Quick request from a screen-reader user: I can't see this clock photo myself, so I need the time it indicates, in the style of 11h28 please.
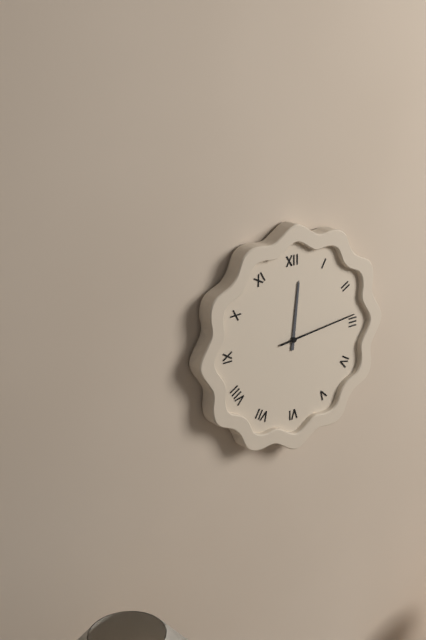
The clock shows 12h14
